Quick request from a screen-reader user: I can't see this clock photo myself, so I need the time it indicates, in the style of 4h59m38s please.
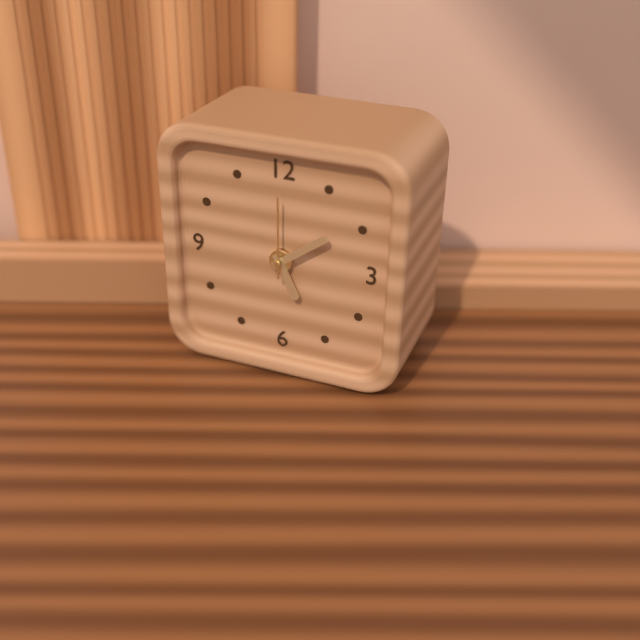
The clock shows 5h09m00s
